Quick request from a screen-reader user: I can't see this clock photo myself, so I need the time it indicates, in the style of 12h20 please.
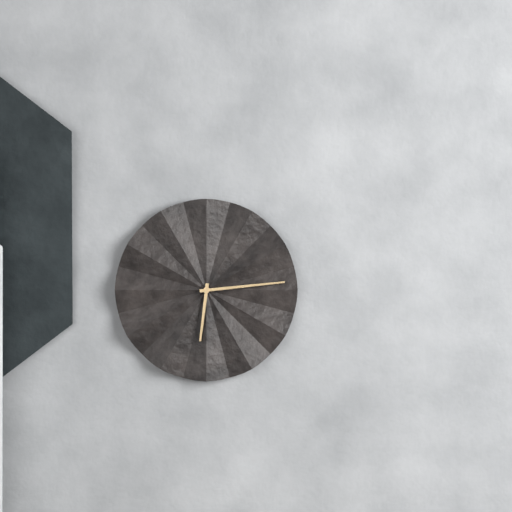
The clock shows 6h14
